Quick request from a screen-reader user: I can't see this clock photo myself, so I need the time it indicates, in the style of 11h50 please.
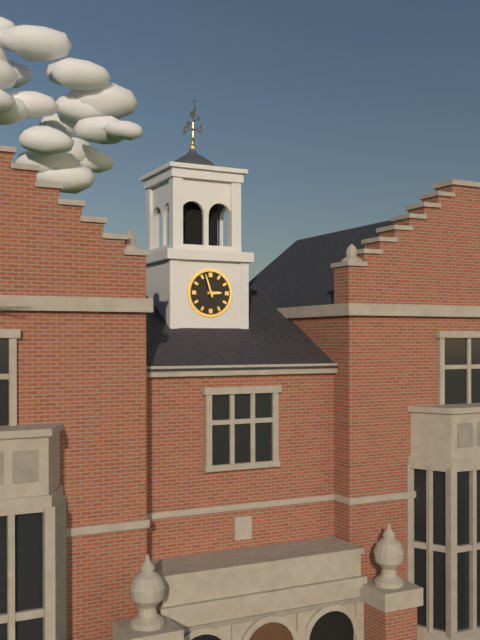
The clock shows 2h57
